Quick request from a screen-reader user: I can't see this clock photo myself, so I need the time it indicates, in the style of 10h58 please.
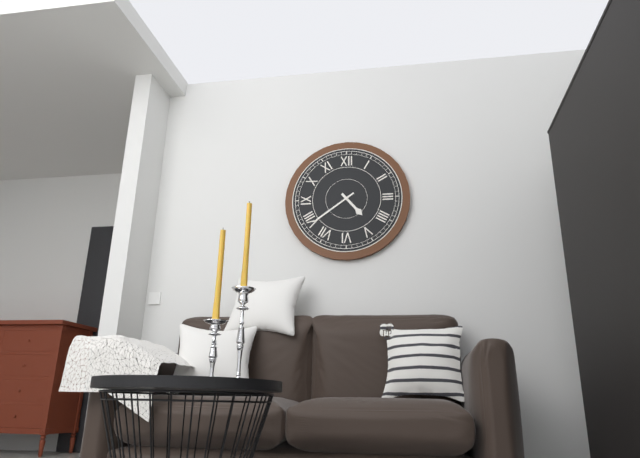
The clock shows 4h39
